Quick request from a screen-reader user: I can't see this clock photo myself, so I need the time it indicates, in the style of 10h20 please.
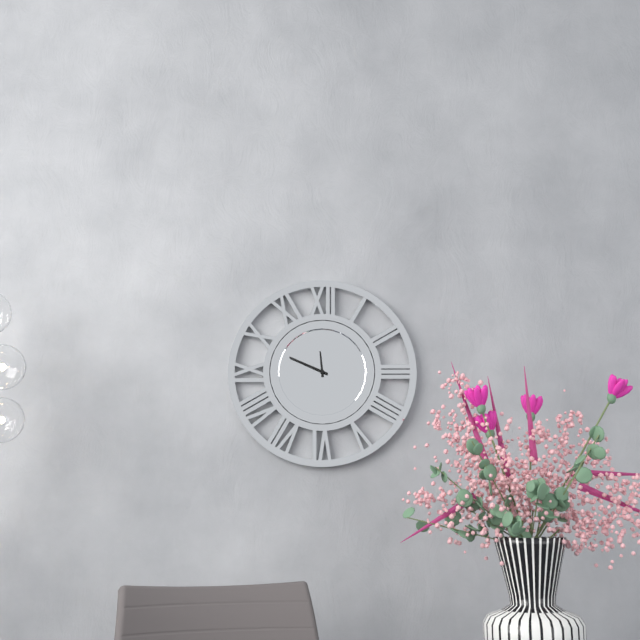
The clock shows 11h49
